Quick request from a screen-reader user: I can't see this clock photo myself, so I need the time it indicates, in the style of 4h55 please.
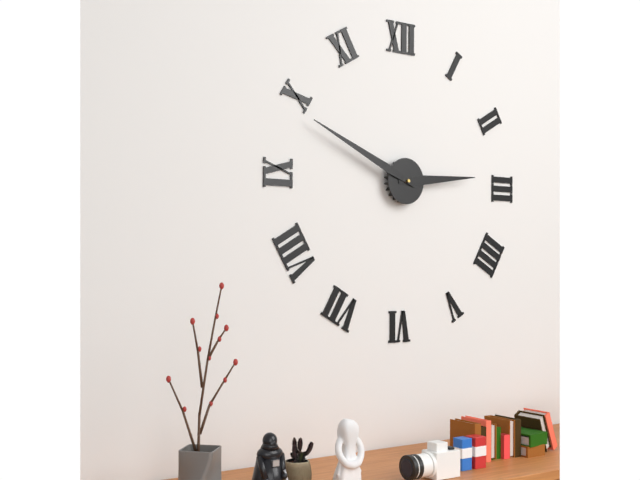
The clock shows 2h49
